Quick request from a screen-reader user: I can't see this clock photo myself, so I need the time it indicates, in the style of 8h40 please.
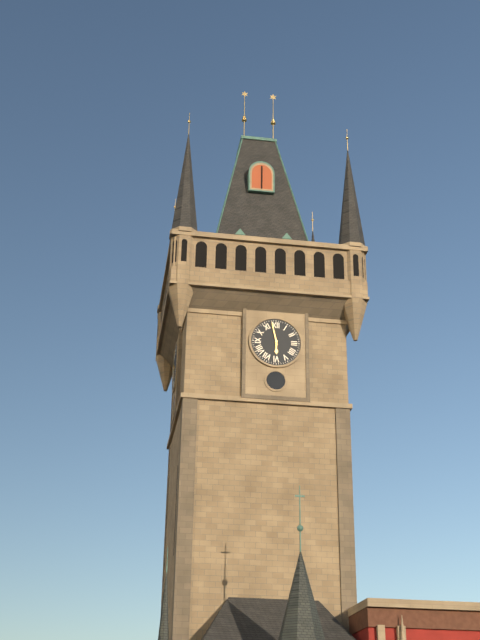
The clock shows 5h58
